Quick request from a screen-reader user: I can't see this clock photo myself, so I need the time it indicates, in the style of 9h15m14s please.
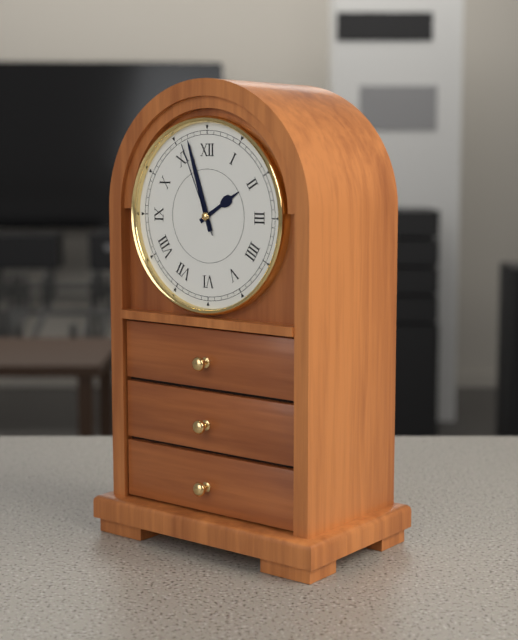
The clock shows 1h57m56s
